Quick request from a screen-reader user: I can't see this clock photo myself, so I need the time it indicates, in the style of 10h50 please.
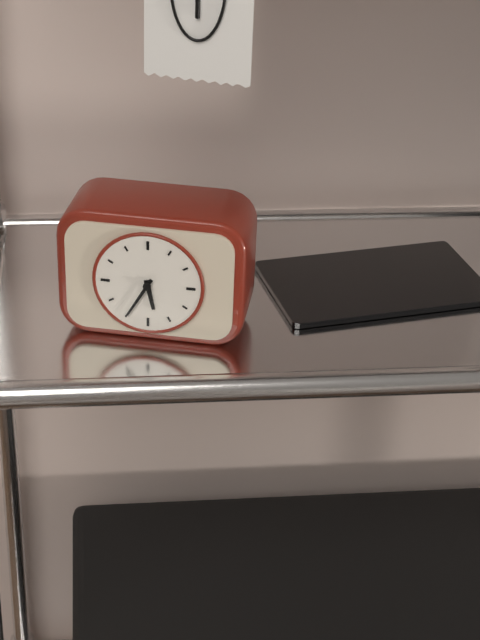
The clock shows 5h35
